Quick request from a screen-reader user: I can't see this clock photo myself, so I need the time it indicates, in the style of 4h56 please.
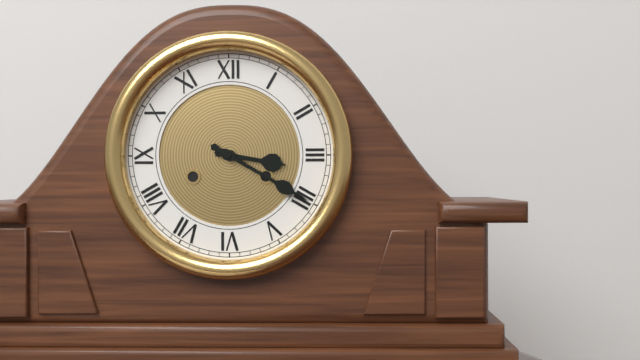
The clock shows 3h20
